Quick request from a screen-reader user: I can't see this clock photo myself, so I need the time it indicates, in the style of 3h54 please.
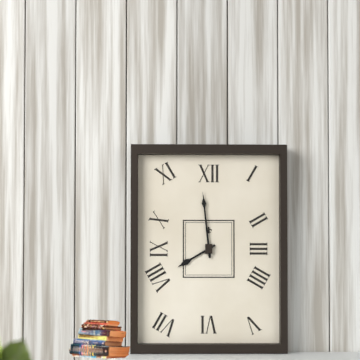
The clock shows 7h59
